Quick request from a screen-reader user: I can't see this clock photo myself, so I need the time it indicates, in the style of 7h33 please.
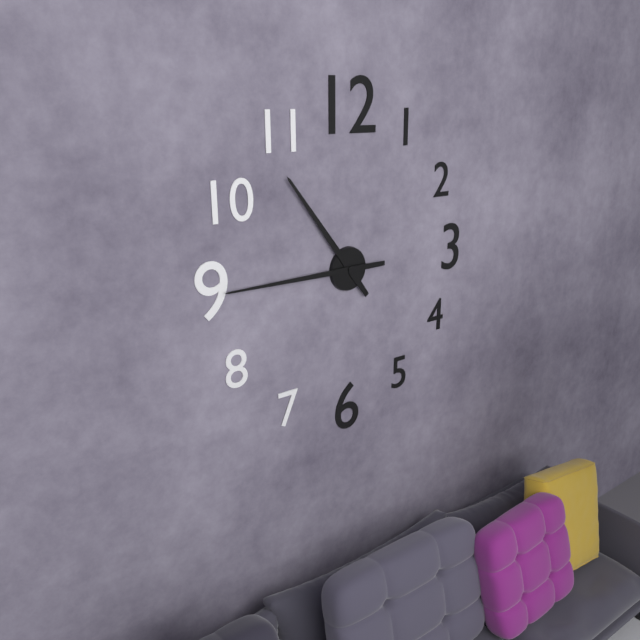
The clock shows 10h45
